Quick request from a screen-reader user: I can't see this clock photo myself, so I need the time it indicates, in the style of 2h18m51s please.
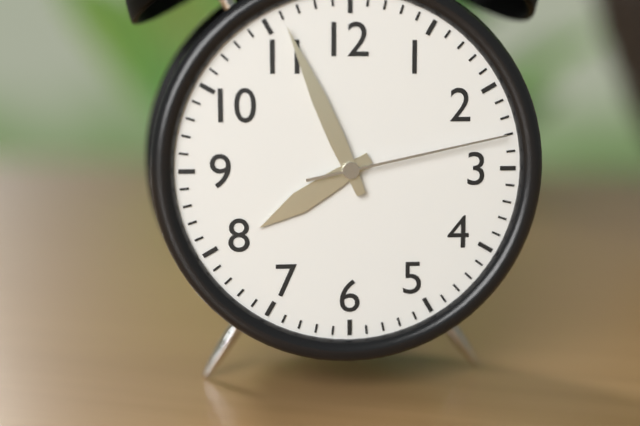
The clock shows 7h56m13s
